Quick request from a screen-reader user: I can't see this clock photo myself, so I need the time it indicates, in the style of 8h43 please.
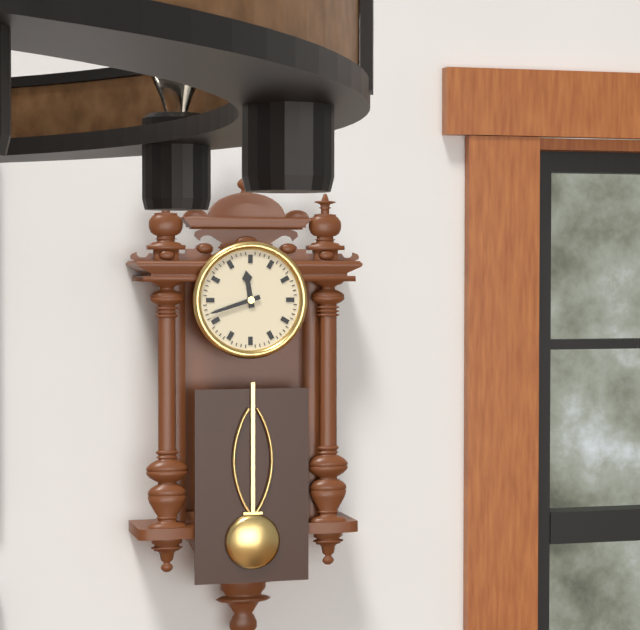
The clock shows 11h42
